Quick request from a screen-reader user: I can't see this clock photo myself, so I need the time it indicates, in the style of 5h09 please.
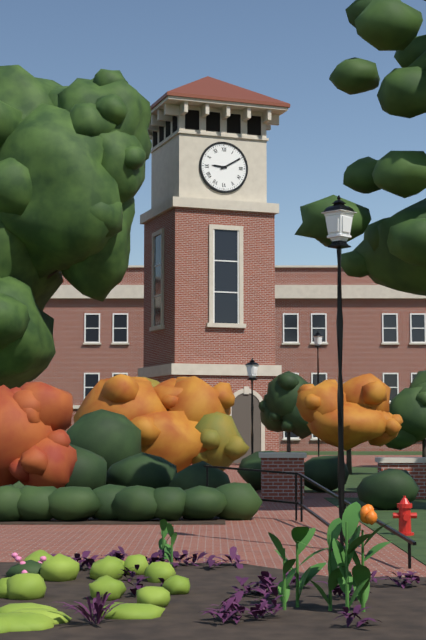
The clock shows 9h10
